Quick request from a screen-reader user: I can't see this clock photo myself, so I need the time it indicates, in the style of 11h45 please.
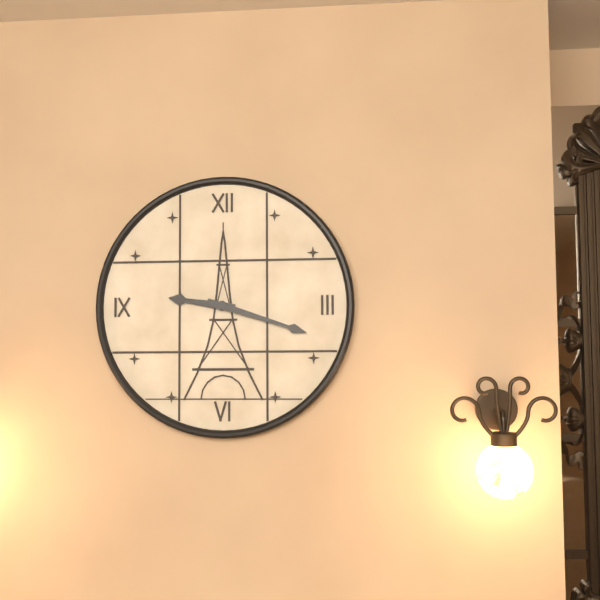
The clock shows 9h18
